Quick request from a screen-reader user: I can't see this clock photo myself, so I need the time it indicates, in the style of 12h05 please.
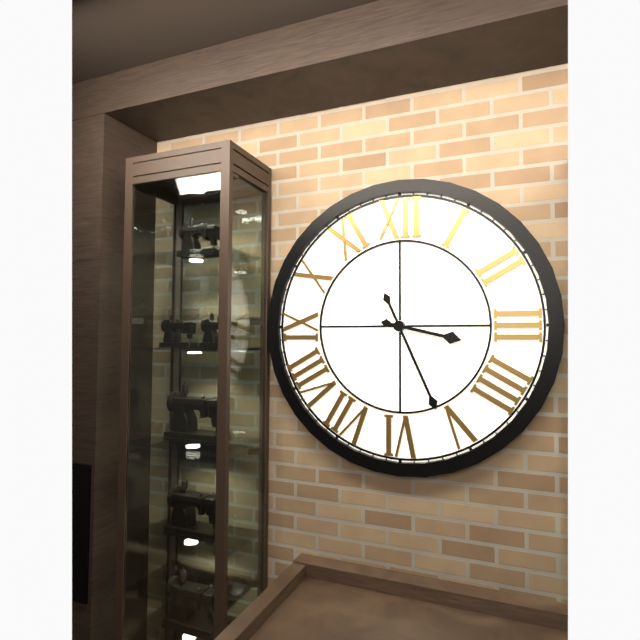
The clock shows 3h26
